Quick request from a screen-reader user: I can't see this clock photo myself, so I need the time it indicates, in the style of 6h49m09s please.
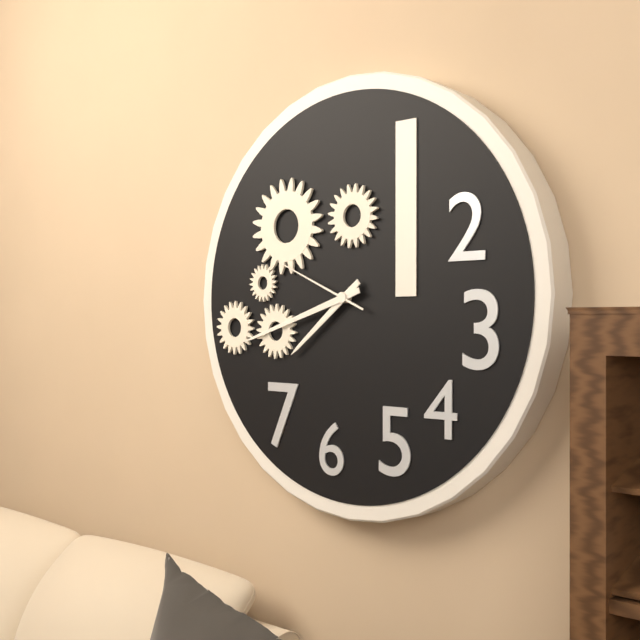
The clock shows 7h42m49s
